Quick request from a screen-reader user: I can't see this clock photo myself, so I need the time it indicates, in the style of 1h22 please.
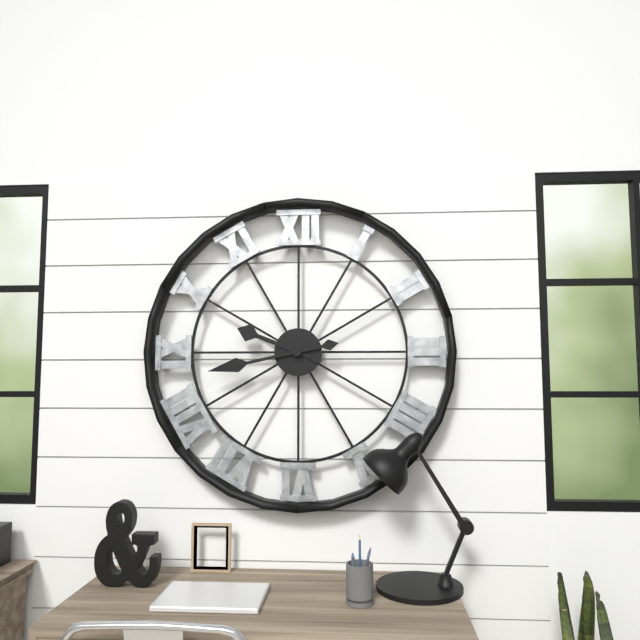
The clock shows 9h43
